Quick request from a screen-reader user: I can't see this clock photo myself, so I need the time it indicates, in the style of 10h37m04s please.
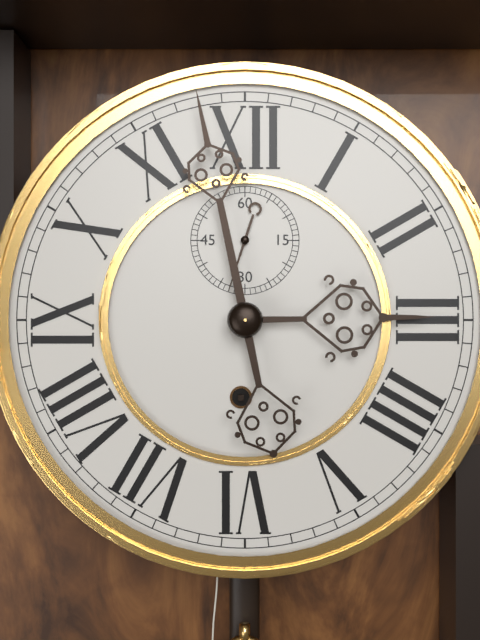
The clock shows 2h58m33s
